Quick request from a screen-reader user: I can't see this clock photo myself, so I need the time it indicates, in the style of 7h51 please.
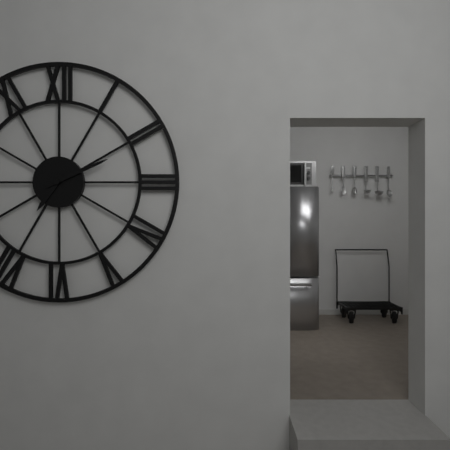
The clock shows 7h11
